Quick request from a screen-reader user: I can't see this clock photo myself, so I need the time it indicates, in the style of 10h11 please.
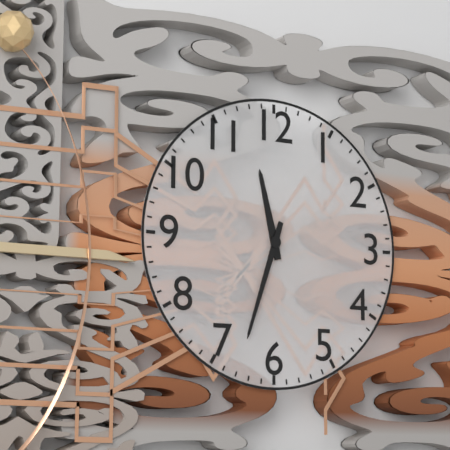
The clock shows 11h33
